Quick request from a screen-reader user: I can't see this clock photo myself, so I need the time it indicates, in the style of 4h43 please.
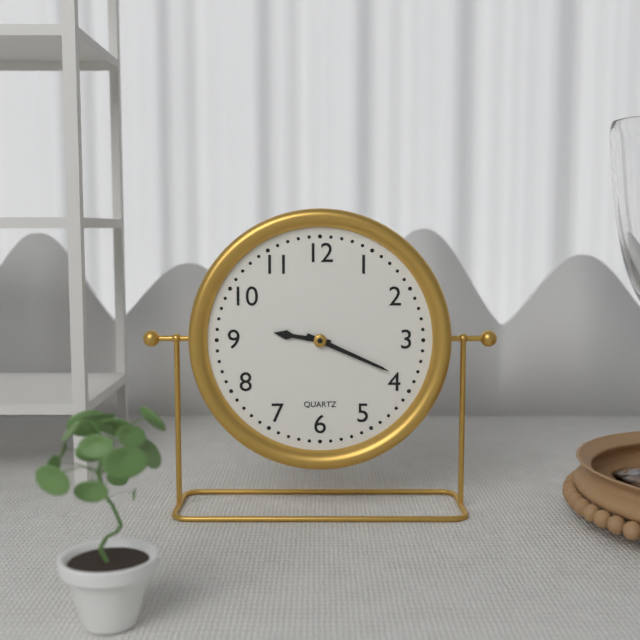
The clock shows 9h19
